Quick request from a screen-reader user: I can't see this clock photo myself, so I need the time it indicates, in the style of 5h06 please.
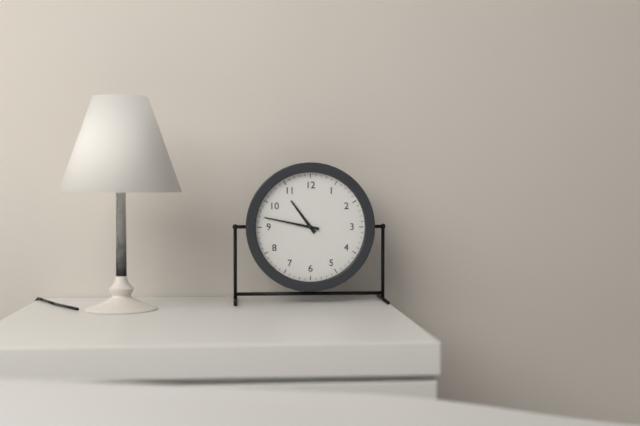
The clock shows 10h47
